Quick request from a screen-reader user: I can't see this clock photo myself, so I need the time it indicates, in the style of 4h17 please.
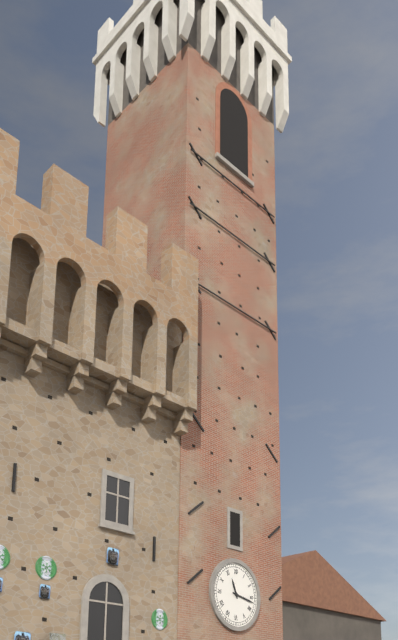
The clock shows 11h17
